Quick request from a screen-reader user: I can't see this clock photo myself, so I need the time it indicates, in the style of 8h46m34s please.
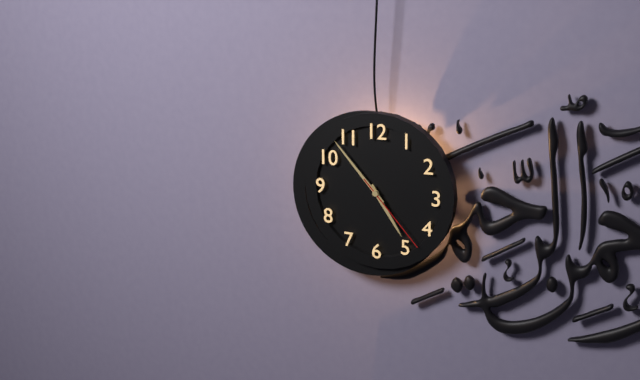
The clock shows 4h53m23s
